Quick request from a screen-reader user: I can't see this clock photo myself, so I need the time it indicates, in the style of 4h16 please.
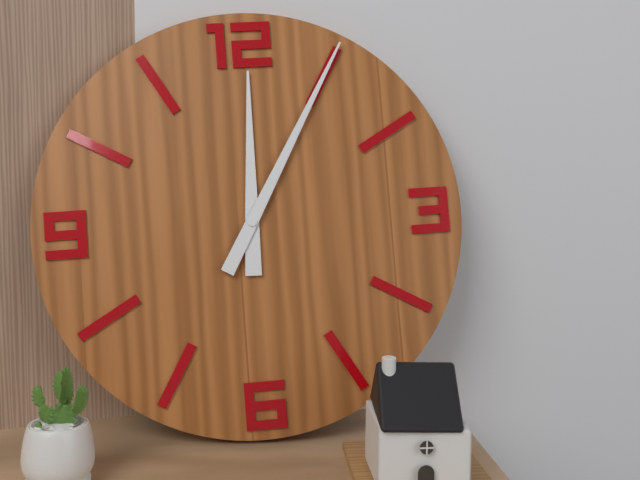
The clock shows 12h05
